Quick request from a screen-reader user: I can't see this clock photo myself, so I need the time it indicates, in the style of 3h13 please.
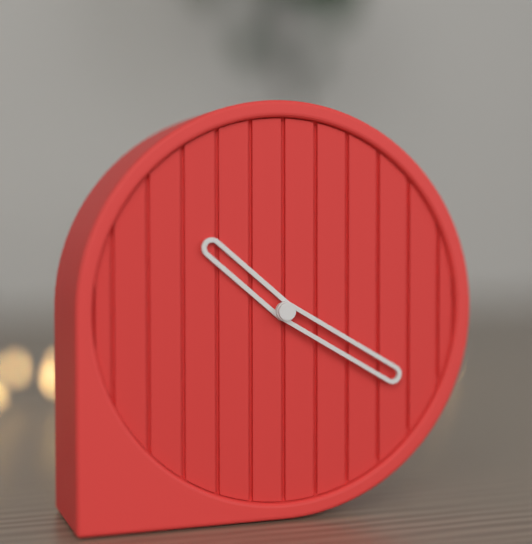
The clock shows 10h20
